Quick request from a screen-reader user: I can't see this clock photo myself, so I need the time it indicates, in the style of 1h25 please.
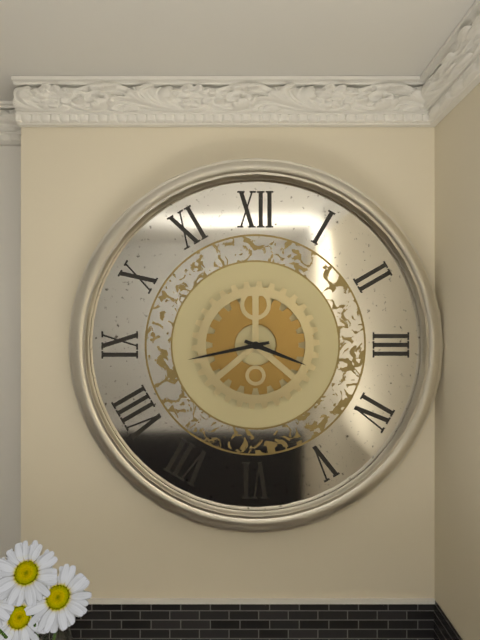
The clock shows 3h43
